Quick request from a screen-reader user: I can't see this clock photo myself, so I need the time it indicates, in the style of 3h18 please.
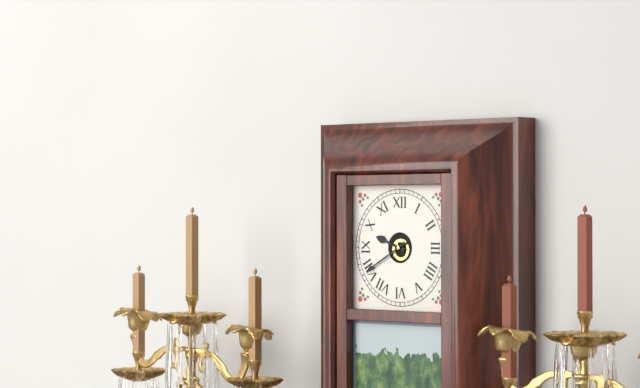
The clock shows 9h40
